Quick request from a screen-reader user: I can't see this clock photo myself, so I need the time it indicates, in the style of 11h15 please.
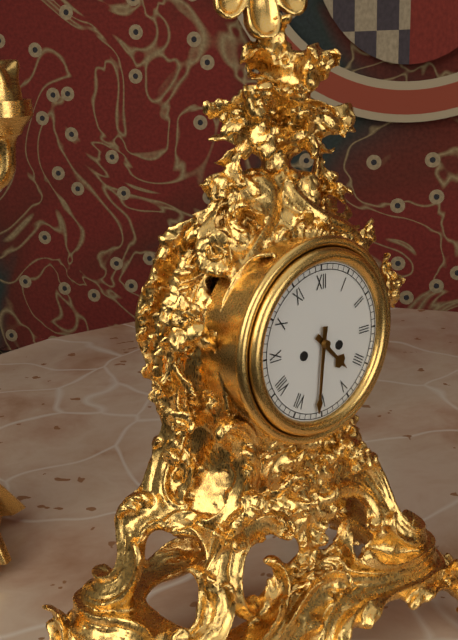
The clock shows 4h31
